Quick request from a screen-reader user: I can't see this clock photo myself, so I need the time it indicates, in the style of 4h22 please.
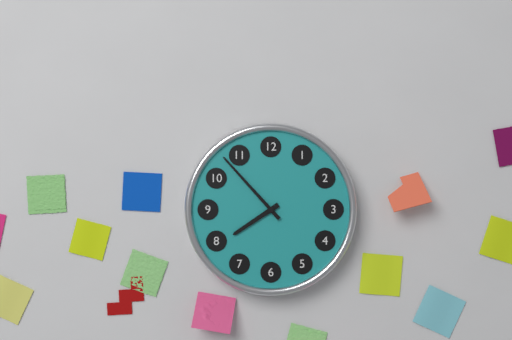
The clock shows 7h53
